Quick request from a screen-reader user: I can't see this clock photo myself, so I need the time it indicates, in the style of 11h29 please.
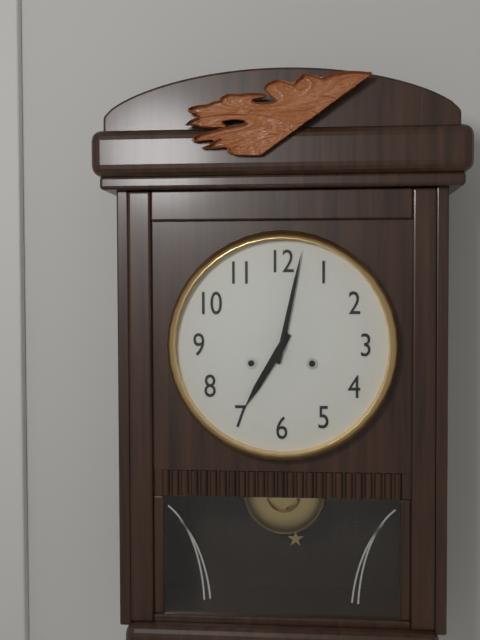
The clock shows 7h02
